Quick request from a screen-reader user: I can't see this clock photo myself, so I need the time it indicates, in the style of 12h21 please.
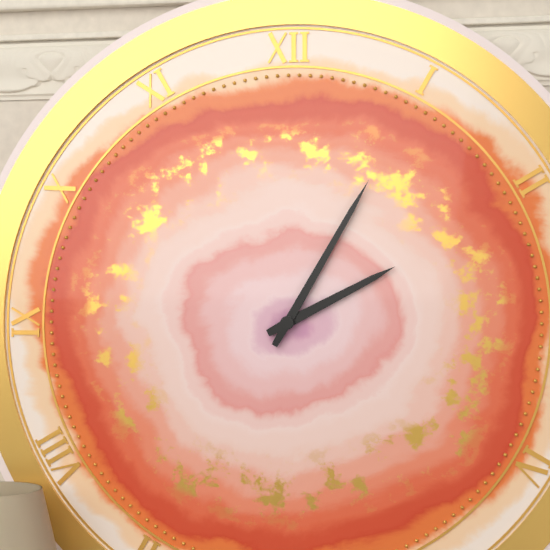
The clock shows 2h05
